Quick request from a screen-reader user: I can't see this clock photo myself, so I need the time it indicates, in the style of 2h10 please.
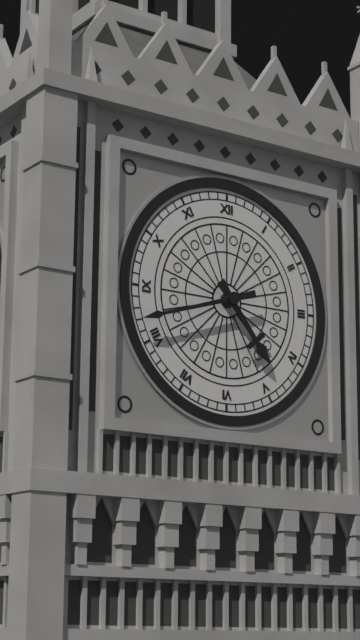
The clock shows 4h42
